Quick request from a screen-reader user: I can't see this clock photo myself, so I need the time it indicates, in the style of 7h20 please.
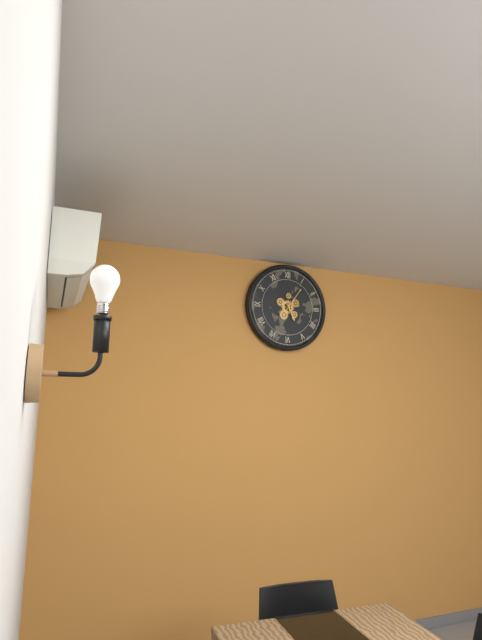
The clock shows 5h06
